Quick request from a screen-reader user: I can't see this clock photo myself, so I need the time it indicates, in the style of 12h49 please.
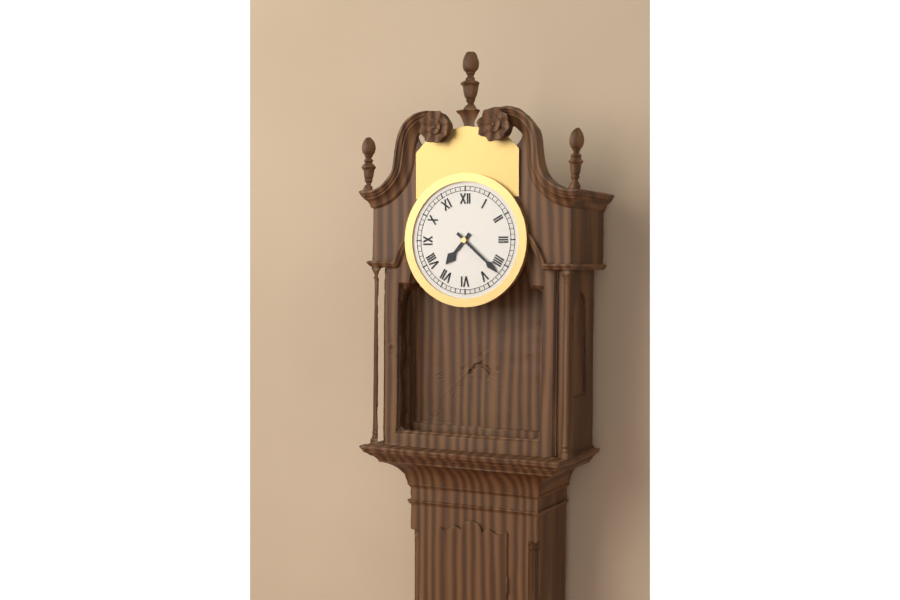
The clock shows 7h22
